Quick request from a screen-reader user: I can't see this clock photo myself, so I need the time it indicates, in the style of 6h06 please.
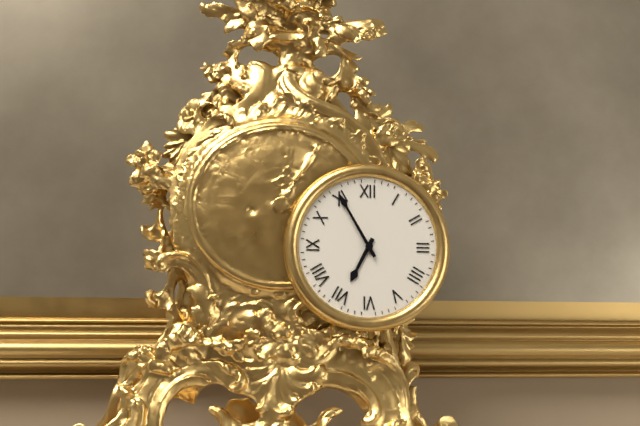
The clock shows 6h55
